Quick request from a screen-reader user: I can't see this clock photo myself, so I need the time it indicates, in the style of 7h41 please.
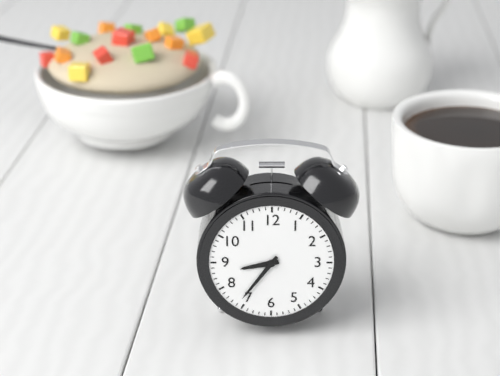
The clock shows 8h36
